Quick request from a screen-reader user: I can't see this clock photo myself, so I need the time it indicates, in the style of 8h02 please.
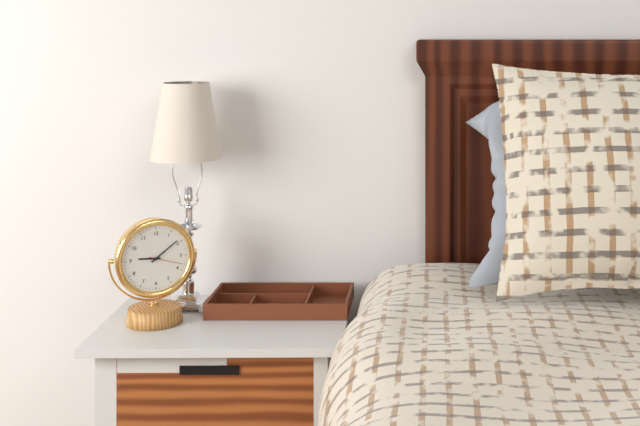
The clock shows 9h09
